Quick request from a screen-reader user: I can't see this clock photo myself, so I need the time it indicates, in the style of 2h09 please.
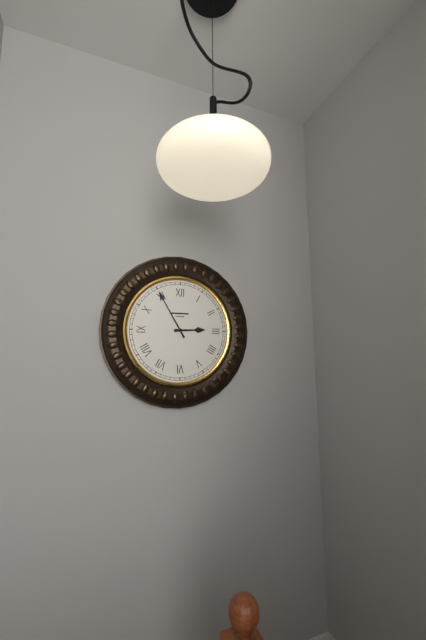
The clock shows 2h55
